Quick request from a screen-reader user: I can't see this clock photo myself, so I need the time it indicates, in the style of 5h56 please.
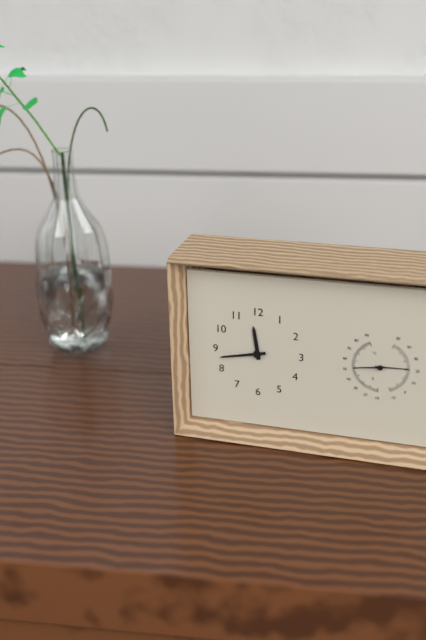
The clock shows 11h43
